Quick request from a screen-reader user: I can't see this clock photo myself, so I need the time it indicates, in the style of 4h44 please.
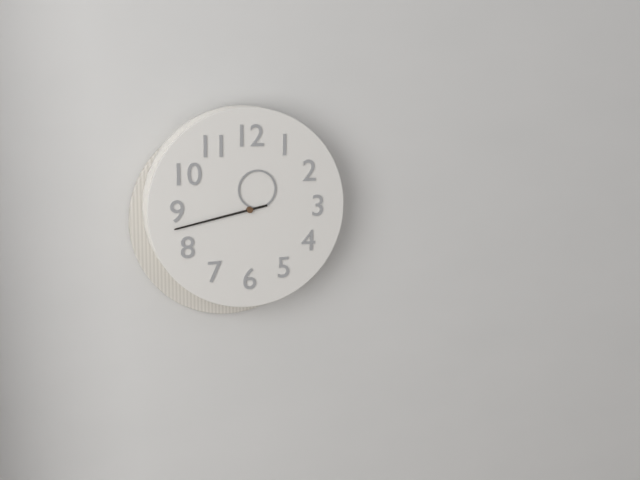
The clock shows 12h43
